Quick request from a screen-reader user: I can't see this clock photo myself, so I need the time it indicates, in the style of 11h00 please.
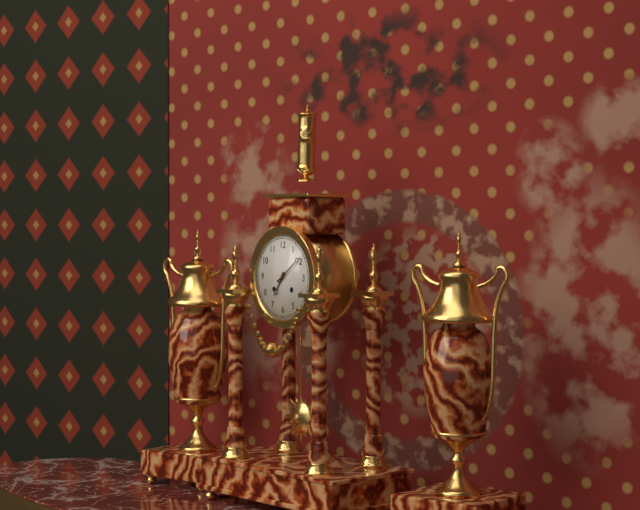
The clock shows 7h09
